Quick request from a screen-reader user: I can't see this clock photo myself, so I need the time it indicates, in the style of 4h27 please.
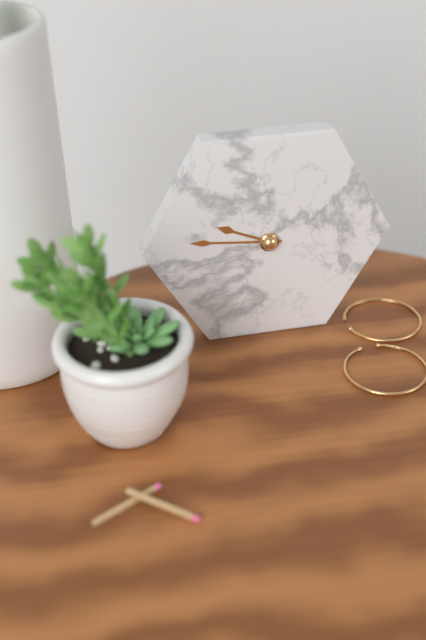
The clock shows 9h46
